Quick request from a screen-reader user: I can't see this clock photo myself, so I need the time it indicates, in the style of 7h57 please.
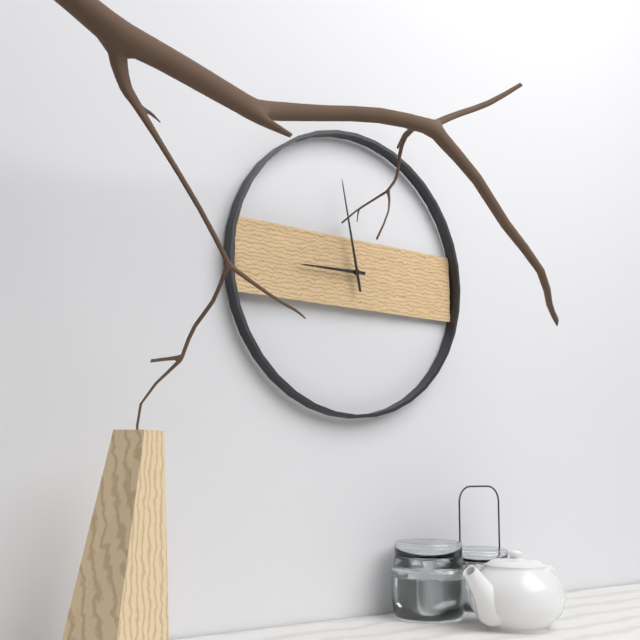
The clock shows 8h58
